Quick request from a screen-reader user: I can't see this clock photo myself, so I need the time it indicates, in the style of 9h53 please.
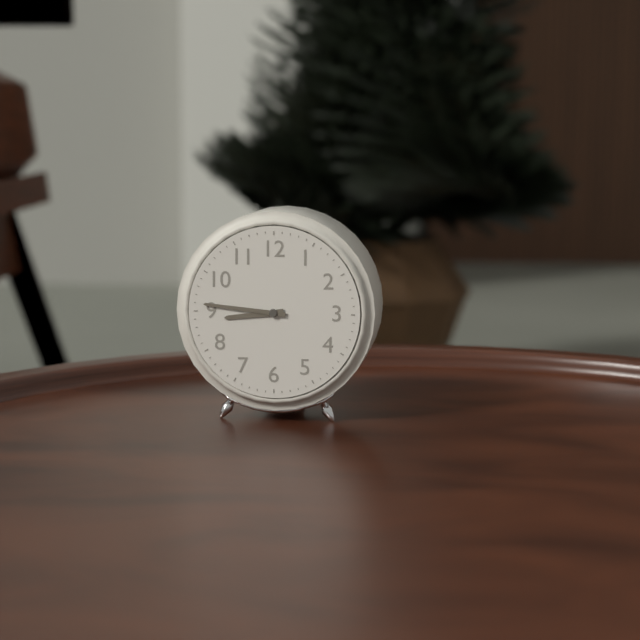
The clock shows 8h46
